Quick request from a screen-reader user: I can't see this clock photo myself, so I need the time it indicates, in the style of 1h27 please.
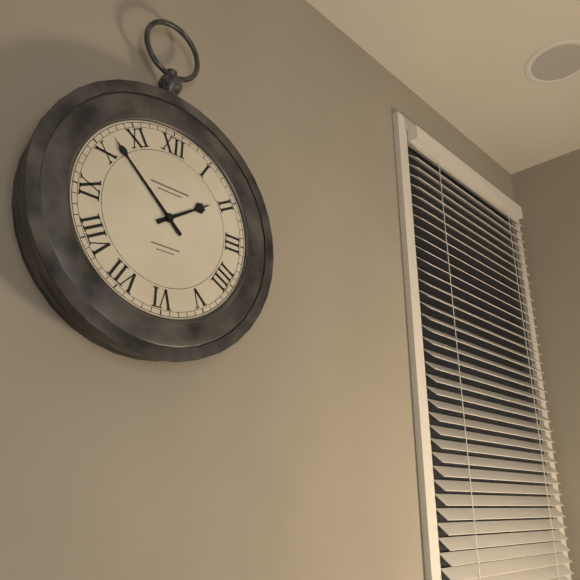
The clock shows 1h52
